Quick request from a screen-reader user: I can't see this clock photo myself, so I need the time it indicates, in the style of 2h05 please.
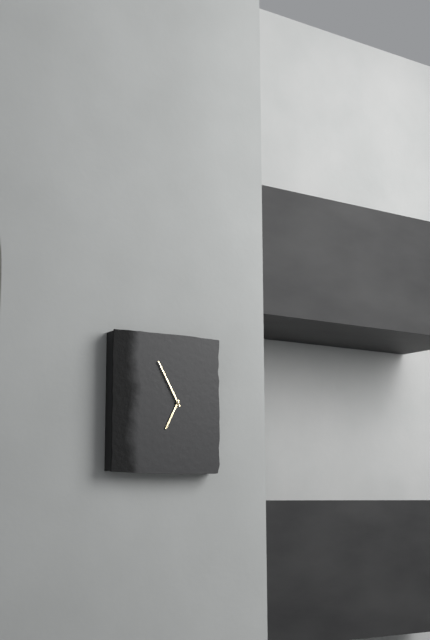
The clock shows 6h55
